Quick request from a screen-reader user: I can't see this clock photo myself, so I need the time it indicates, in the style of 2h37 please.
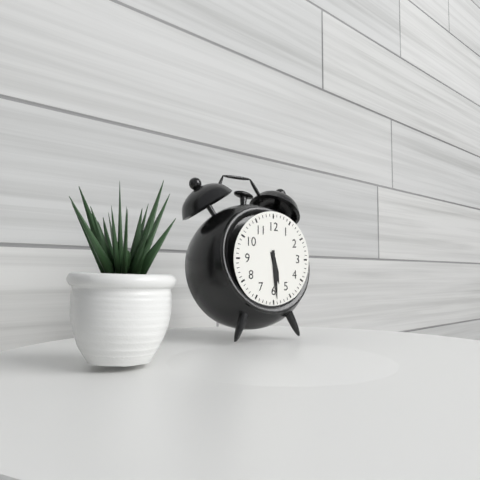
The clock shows 5h29
